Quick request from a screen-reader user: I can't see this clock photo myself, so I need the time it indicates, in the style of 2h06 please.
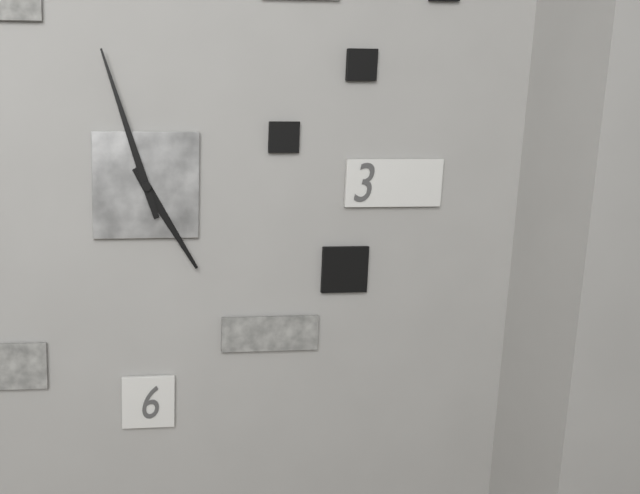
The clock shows 4h57
